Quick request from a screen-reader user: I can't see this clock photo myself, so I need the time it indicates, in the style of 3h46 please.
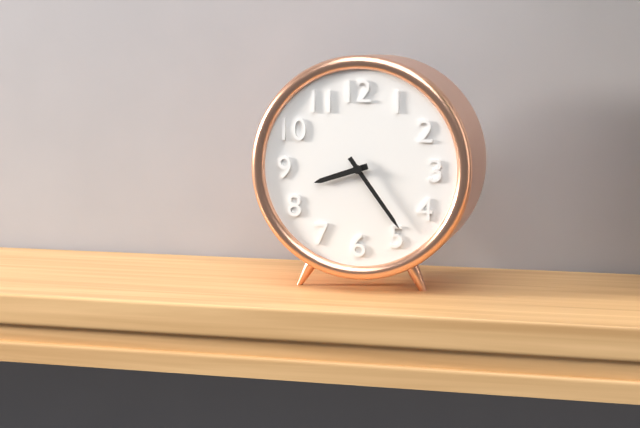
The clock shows 8h24
